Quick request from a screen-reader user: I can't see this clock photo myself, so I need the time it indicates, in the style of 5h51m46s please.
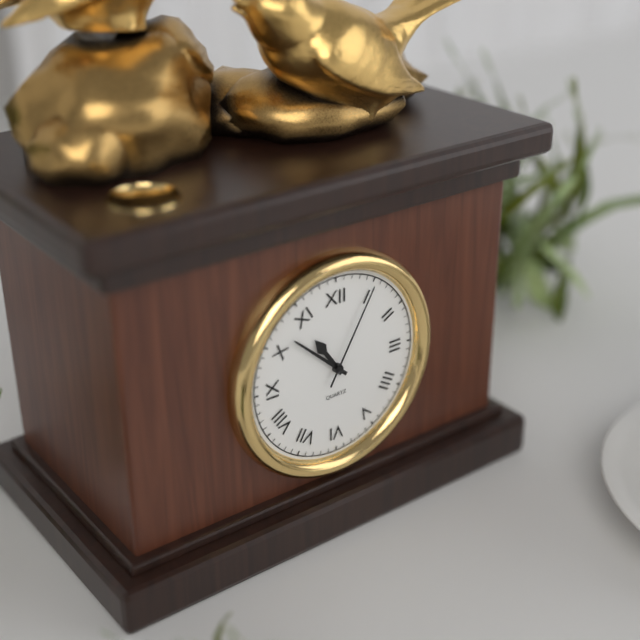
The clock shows 10h52m05s
